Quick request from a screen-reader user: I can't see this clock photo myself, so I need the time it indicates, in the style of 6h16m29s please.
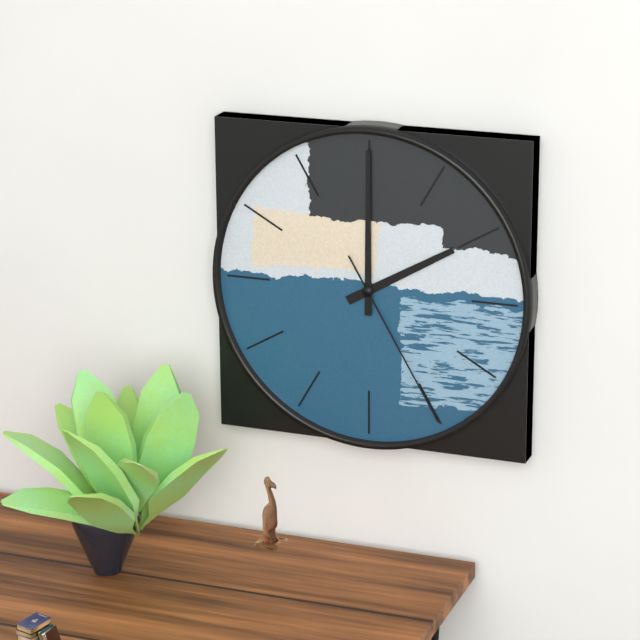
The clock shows 2h00m25s
